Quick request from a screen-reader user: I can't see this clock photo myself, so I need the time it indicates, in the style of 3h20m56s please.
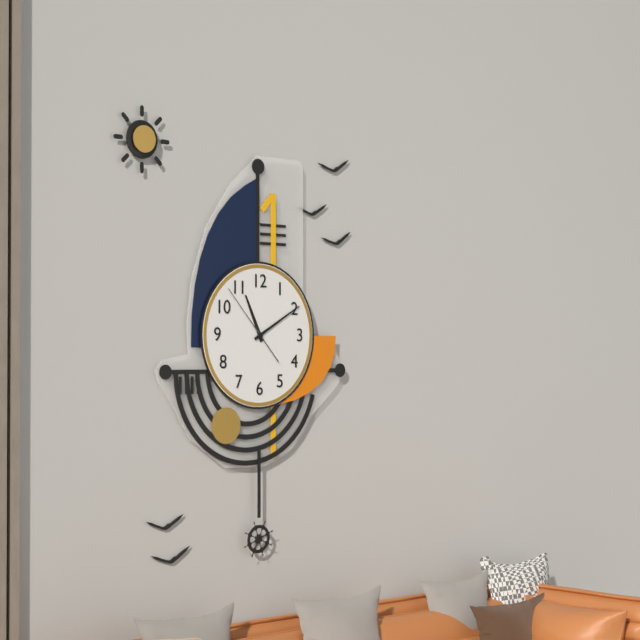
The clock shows 11h10m53s
